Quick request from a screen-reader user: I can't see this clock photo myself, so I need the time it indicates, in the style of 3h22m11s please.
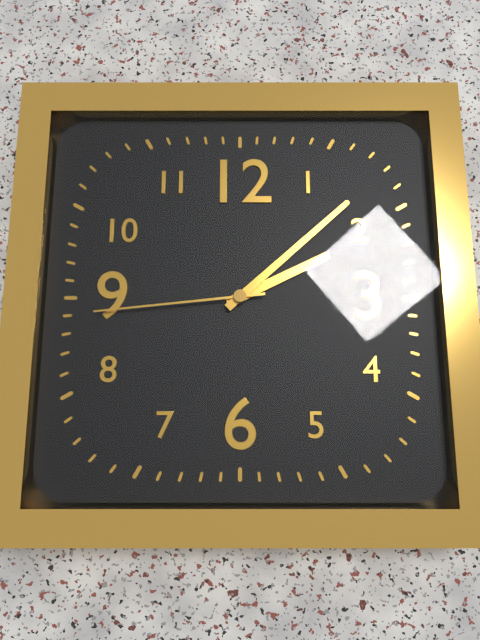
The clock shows 2h08m44s
